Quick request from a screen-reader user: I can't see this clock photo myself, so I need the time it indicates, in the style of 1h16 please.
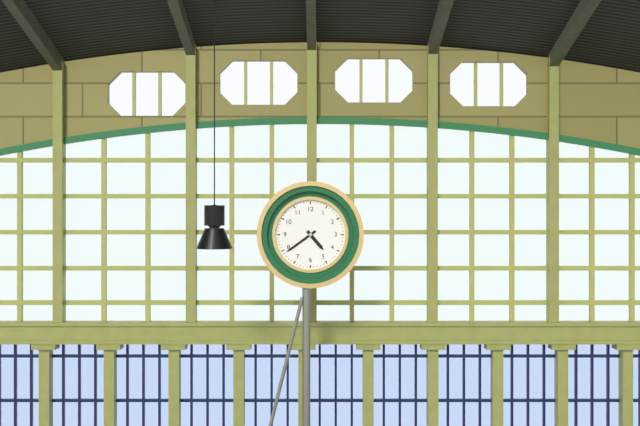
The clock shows 4h39
